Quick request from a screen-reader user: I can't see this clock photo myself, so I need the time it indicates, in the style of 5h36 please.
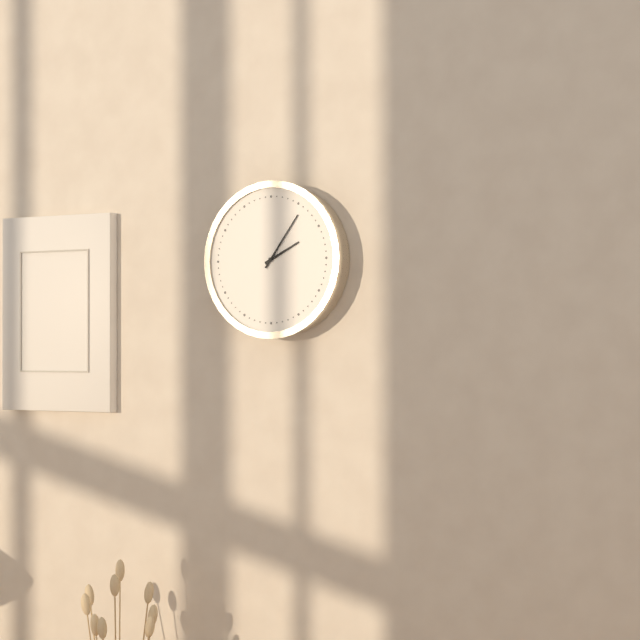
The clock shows 2h06
